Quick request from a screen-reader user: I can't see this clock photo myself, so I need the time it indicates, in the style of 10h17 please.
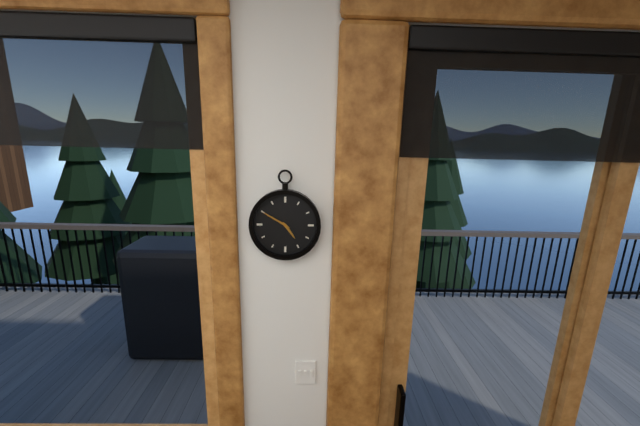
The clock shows 4h50
